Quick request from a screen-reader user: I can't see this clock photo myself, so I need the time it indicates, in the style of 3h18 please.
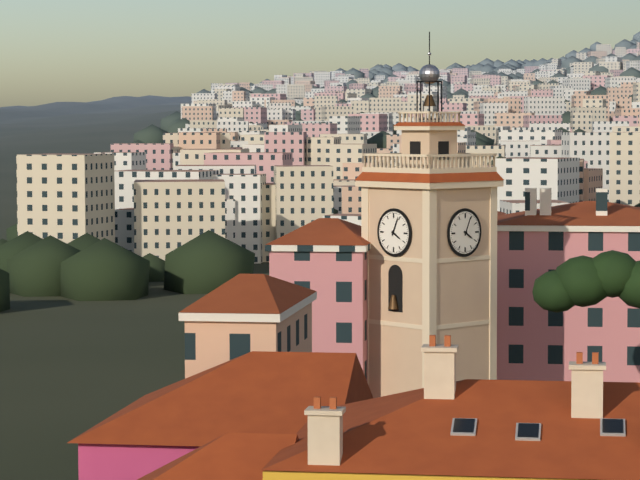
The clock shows 4h04
